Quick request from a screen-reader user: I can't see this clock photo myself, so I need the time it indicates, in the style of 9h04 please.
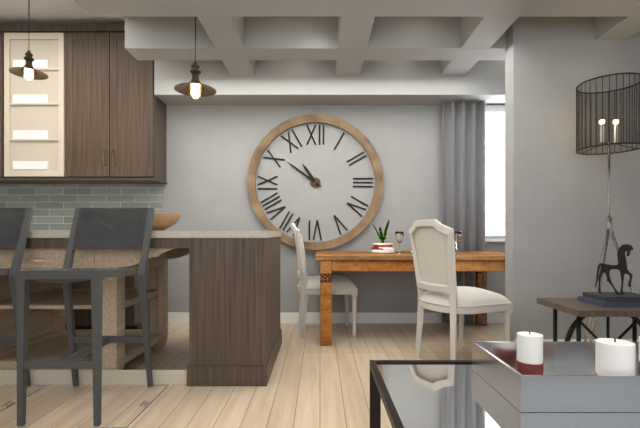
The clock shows 10h51
